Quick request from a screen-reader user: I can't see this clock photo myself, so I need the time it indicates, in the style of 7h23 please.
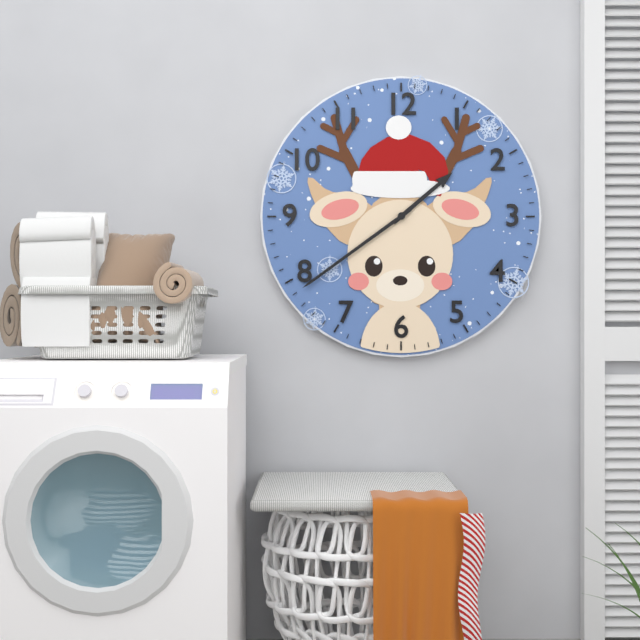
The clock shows 1h39
